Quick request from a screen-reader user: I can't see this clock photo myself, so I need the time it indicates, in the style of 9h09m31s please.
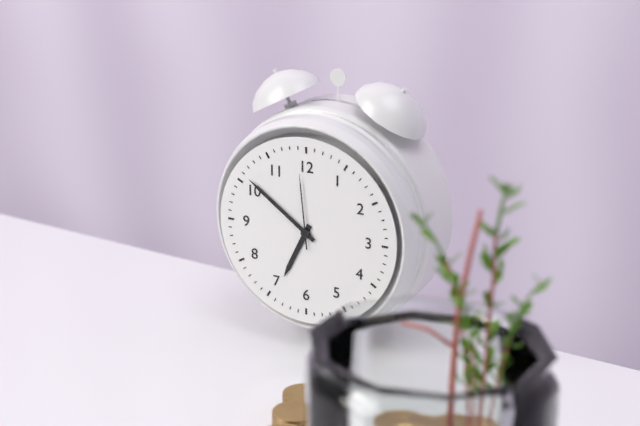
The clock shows 6h51m59s
